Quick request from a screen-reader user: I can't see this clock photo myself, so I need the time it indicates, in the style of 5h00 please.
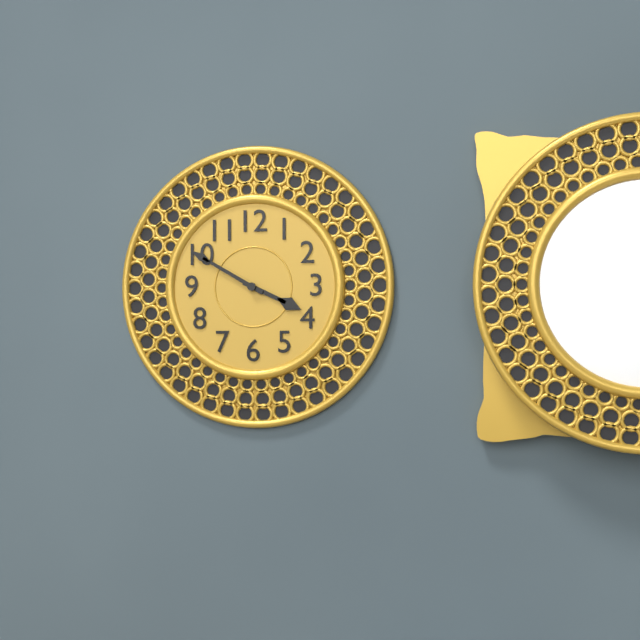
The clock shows 3h50
